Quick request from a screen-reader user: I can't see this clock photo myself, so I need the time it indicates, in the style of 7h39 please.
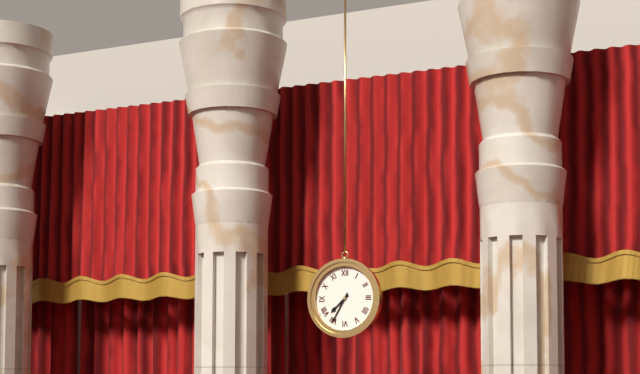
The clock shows 7h35
